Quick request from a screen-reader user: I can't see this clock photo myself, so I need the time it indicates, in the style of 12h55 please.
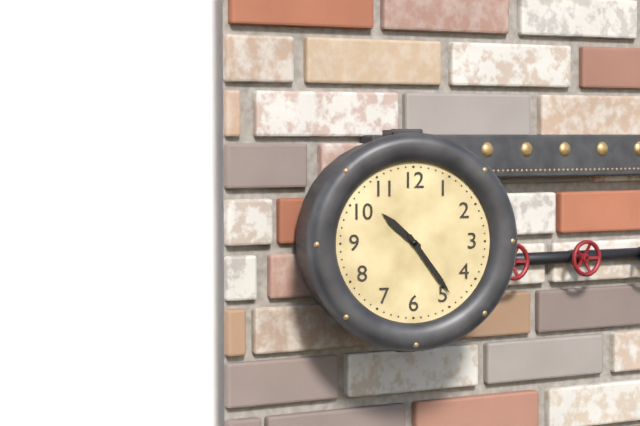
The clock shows 10h24
